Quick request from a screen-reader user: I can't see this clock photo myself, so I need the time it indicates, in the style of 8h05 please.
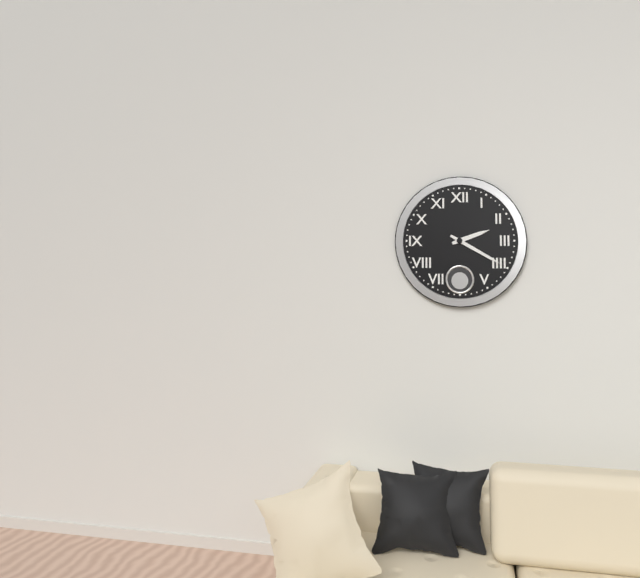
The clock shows 2h20
